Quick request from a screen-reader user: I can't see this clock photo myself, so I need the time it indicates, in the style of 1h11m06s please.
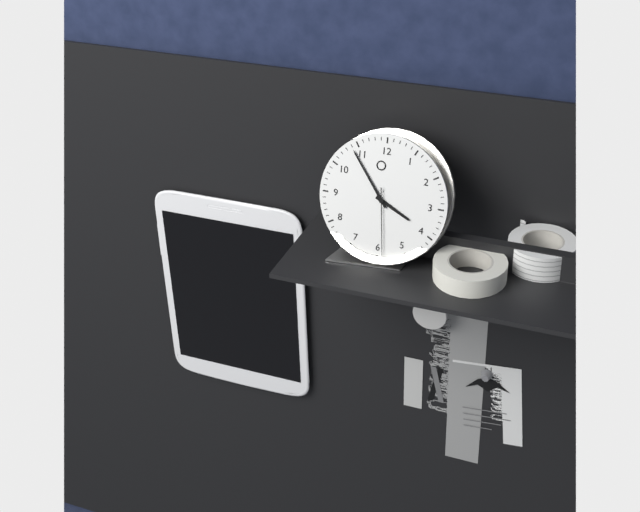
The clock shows 3h54m29s
